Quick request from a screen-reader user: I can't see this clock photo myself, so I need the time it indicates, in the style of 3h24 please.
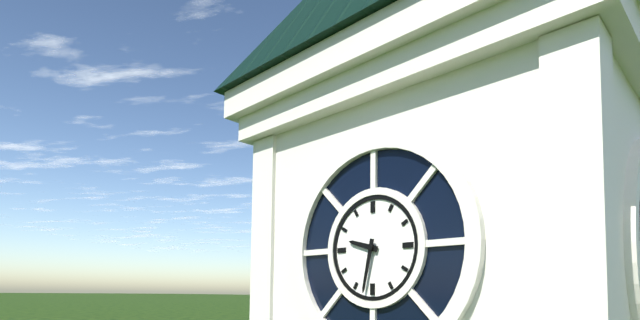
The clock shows 9h32
